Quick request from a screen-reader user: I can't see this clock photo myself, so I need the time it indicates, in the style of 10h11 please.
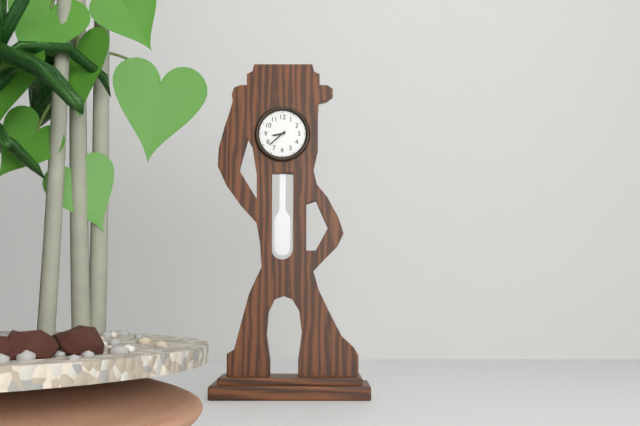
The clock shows 8h38
